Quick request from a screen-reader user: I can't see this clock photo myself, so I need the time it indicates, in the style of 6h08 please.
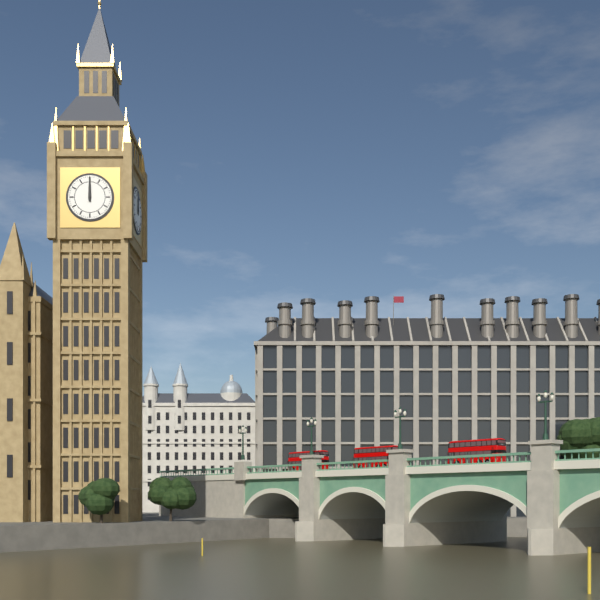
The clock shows 12h00
